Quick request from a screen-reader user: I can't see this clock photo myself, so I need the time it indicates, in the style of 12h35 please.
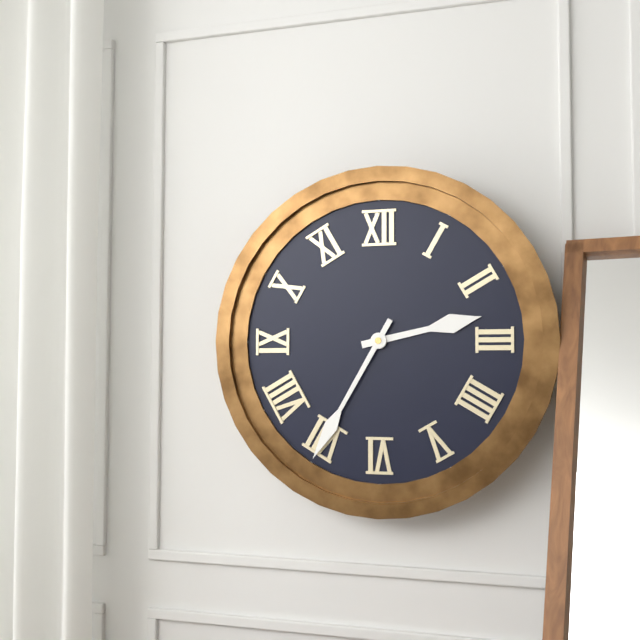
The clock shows 2h35
